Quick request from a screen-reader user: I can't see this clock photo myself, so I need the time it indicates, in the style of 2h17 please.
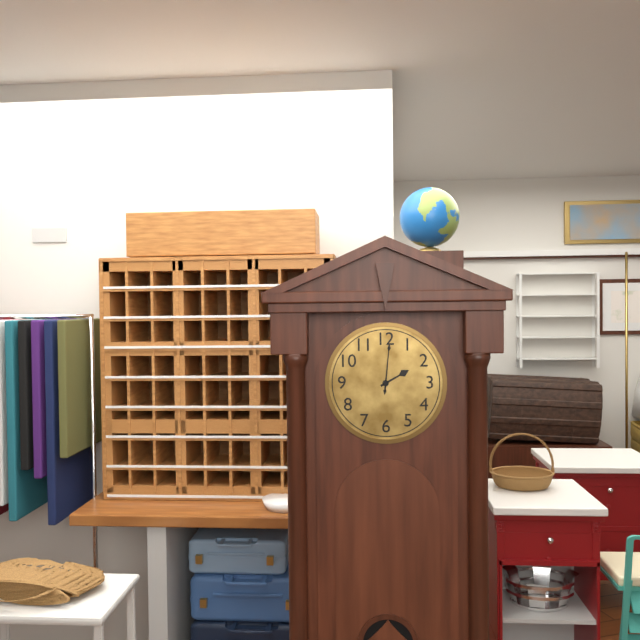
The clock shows 2h01
